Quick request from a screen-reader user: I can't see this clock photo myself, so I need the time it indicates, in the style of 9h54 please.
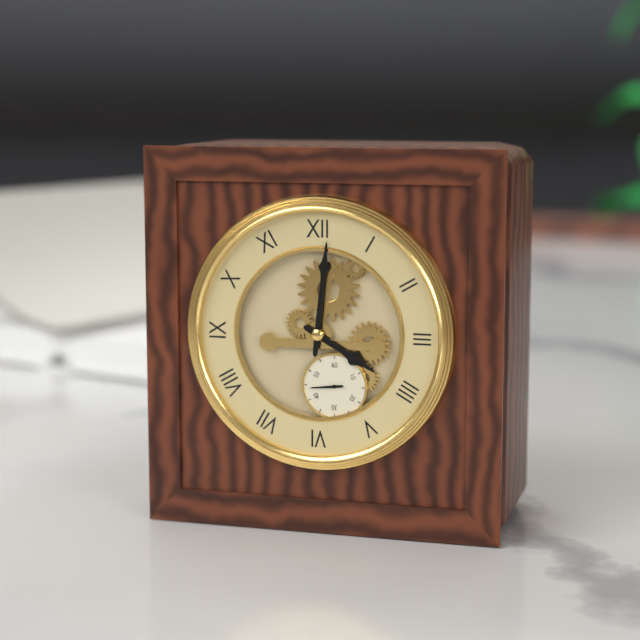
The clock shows 4h01
